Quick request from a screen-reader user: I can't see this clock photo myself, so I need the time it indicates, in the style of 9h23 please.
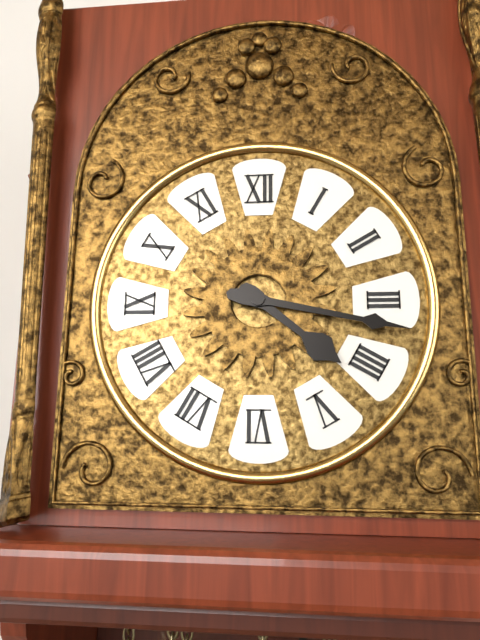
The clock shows 4h17
